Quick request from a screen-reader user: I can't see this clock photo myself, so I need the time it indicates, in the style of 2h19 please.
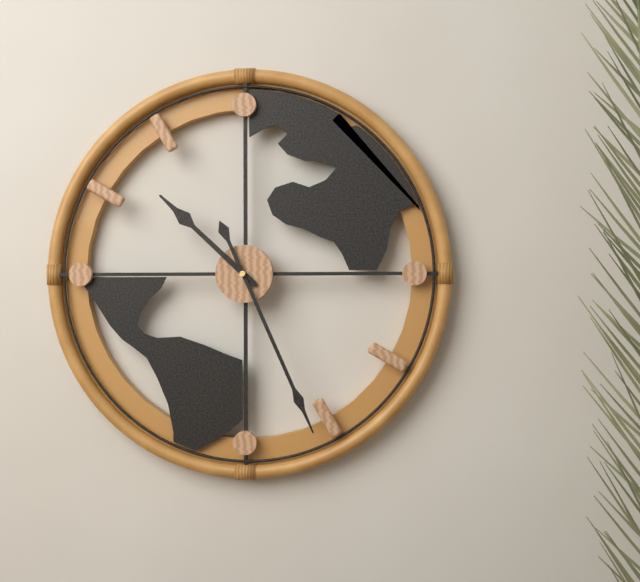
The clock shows 10h26
